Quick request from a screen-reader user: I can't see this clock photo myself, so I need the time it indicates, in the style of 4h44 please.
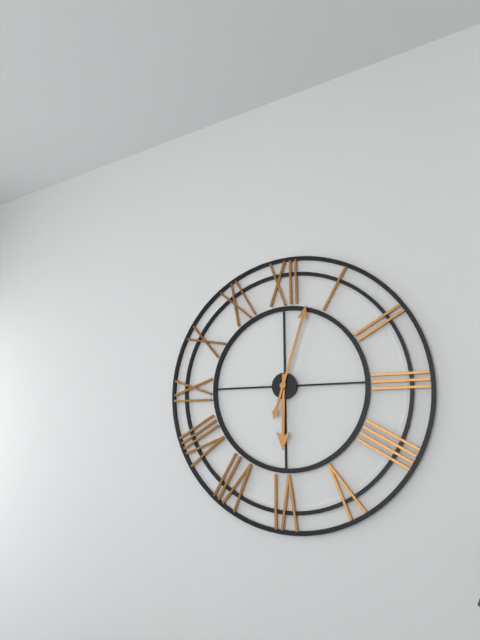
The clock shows 6h03
